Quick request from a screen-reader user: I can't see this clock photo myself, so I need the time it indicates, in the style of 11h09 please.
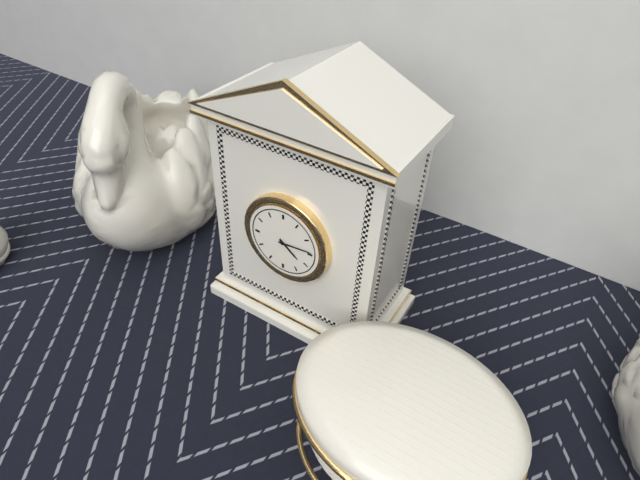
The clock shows 4h14
